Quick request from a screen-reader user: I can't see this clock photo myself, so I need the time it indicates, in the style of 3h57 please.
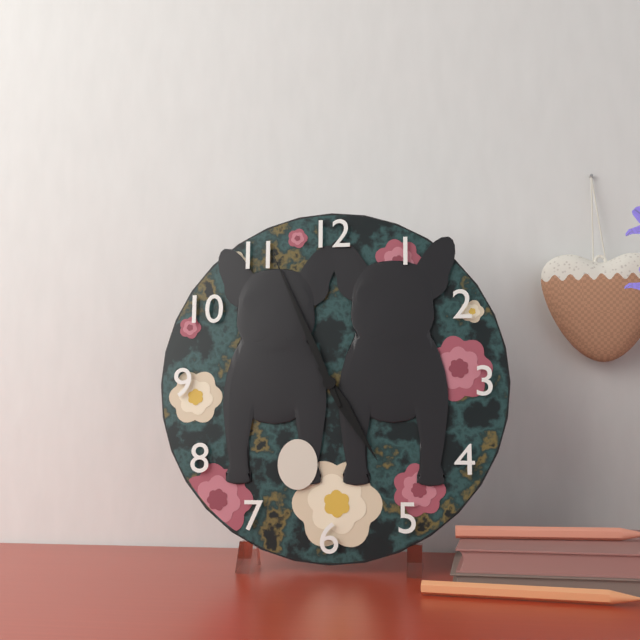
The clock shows 4h56
